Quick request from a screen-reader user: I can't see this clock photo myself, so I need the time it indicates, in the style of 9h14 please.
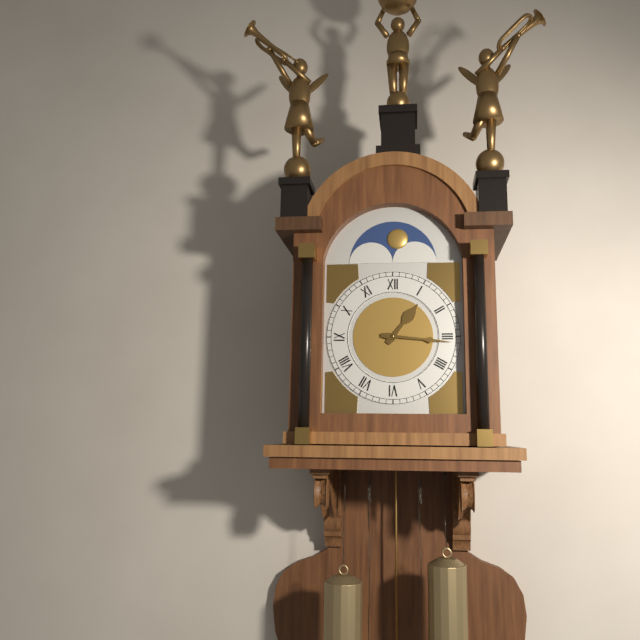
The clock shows 1h16
